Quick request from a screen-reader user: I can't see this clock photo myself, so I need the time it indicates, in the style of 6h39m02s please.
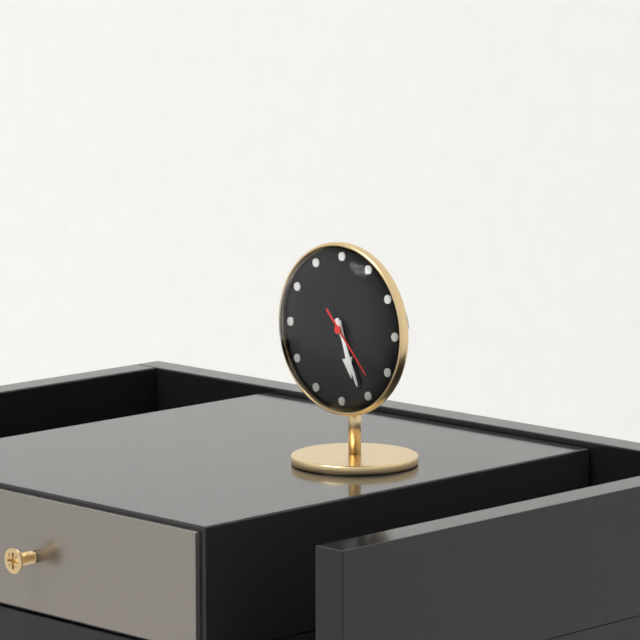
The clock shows 5h26m23s
